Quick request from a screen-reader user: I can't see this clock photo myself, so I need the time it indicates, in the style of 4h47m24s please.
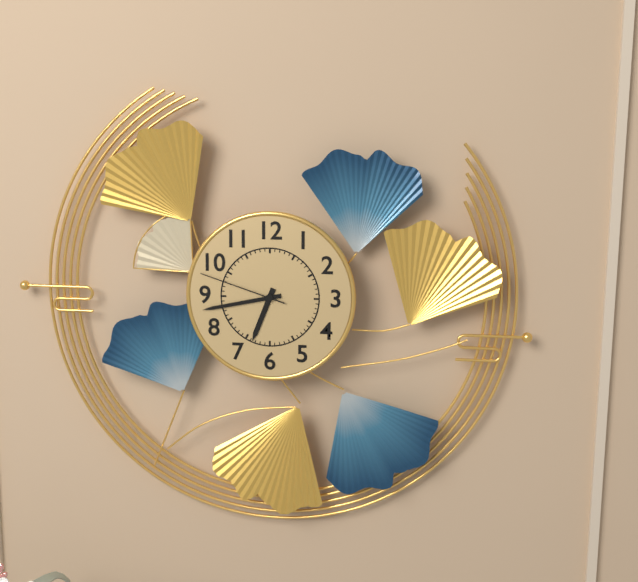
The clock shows 6h43m48s
